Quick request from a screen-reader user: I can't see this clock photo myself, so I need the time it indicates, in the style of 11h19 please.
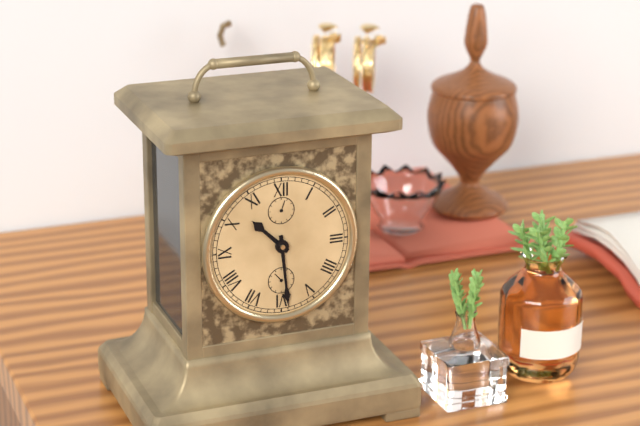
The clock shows 10h29
